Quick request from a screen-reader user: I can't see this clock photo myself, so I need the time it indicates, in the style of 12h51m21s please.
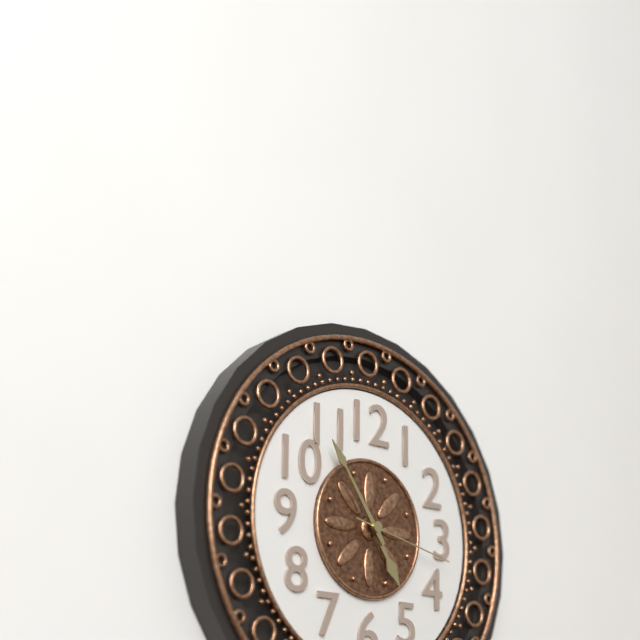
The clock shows 4h54m17s
